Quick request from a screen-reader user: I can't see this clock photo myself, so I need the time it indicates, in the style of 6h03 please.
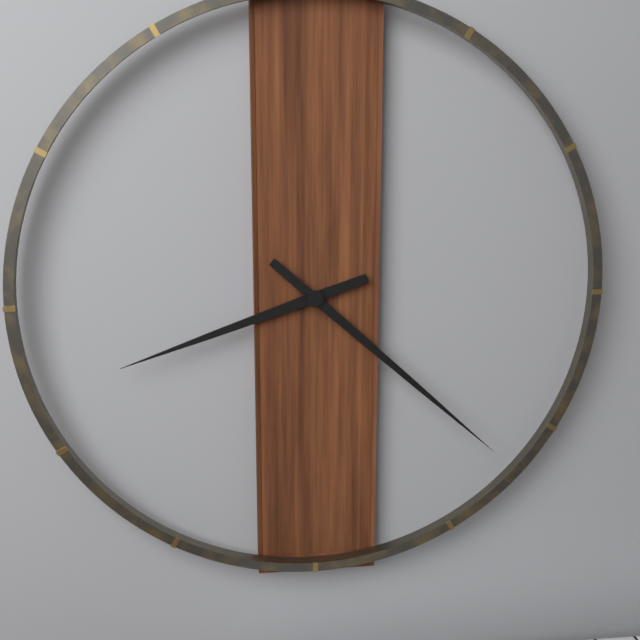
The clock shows 8h22
